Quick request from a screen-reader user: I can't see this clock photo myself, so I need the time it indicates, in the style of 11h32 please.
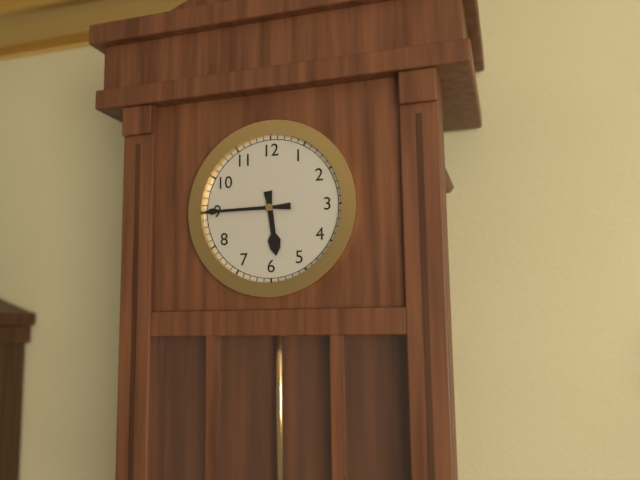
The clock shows 5h45
